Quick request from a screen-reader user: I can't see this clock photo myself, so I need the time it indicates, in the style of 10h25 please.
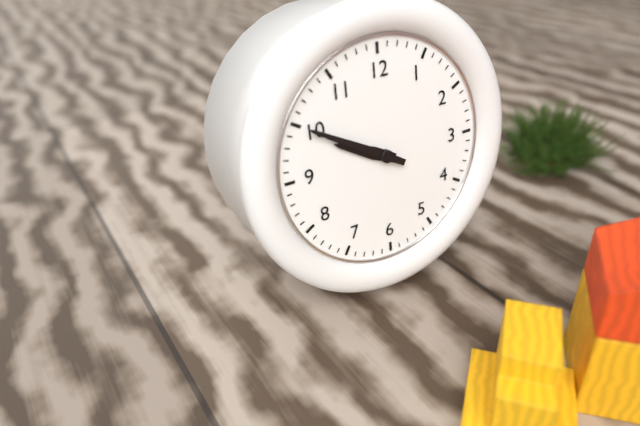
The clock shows 9h50
